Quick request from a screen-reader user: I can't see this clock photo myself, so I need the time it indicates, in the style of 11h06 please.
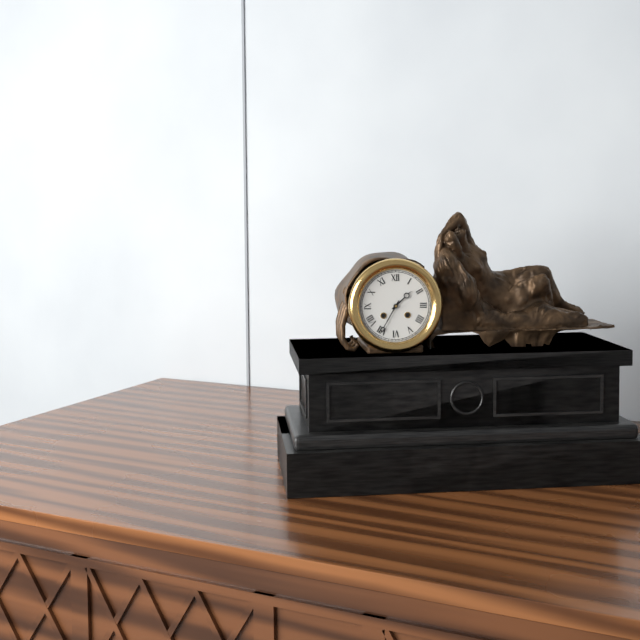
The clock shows 1h35
